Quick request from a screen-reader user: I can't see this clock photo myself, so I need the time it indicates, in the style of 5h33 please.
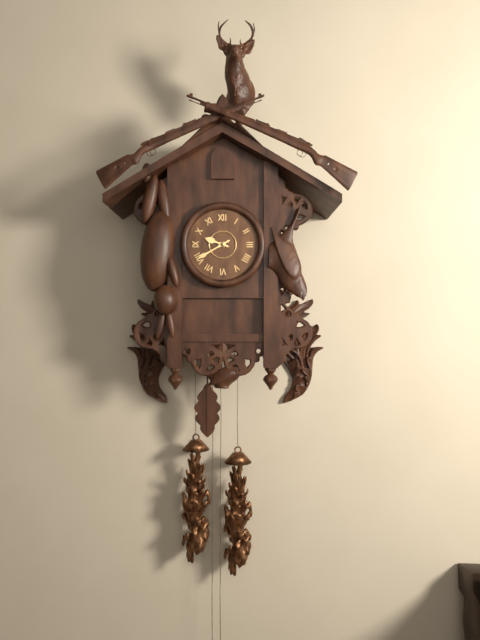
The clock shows 9h40
